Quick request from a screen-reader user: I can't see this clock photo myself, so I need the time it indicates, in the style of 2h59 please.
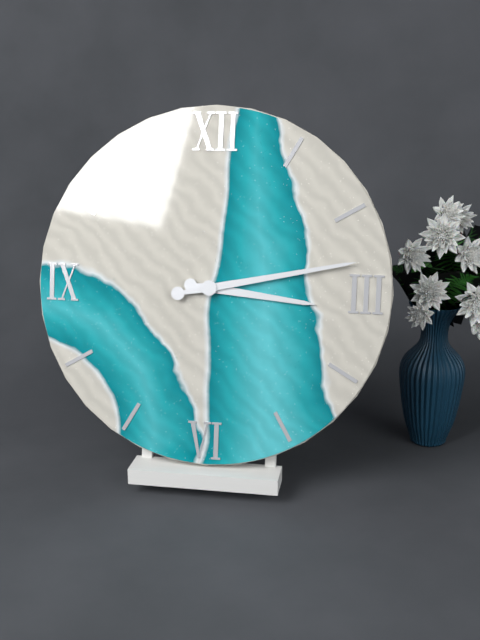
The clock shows 3h13
